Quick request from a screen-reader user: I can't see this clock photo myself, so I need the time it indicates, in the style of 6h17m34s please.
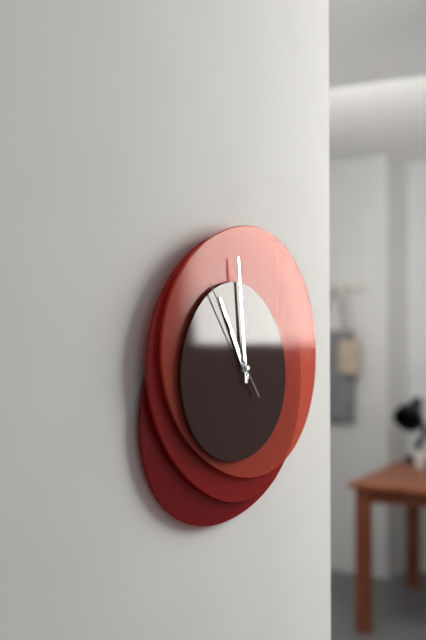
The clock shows 10h59m54s
